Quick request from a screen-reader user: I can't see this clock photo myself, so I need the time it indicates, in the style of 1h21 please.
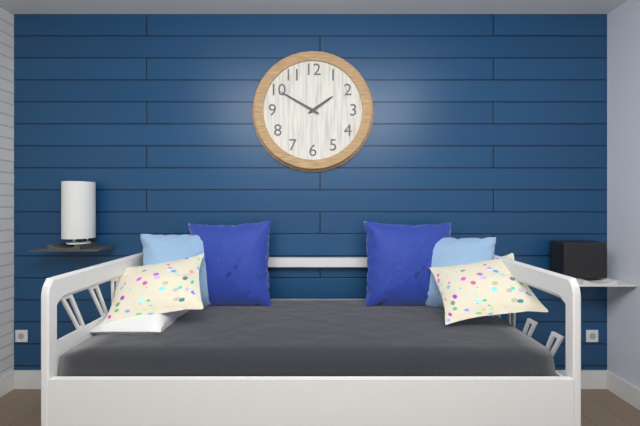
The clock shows 1h50
